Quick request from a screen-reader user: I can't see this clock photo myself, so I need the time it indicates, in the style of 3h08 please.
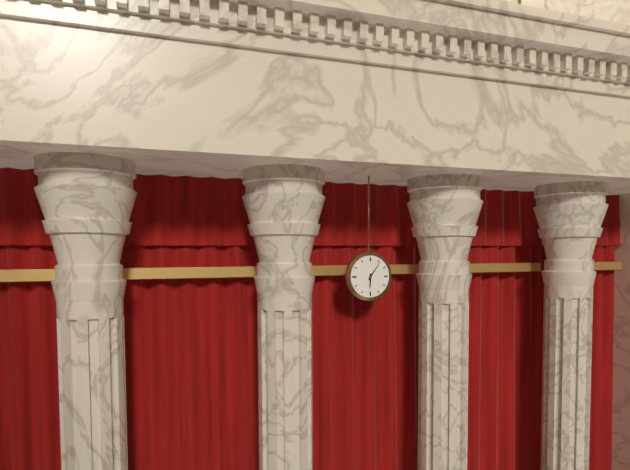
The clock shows 6h06
